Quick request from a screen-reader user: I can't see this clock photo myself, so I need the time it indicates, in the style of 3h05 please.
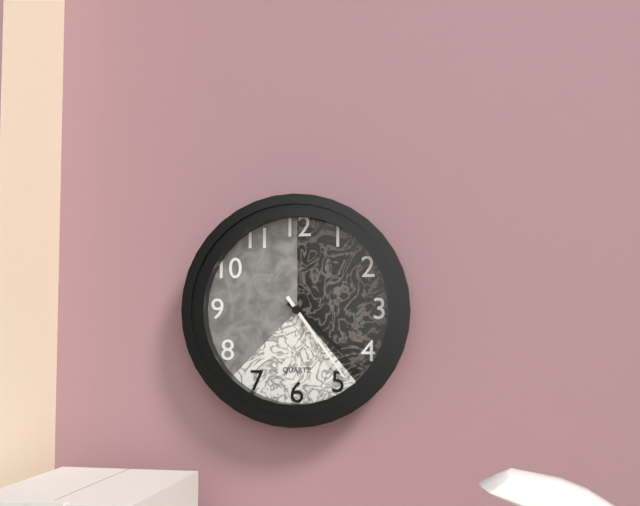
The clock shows 4h24
